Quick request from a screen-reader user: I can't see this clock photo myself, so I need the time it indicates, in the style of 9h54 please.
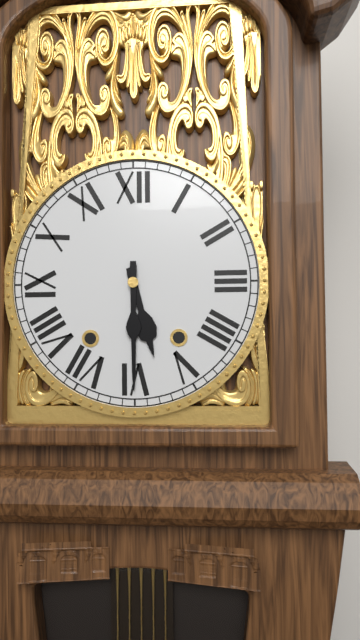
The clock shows 5h30
